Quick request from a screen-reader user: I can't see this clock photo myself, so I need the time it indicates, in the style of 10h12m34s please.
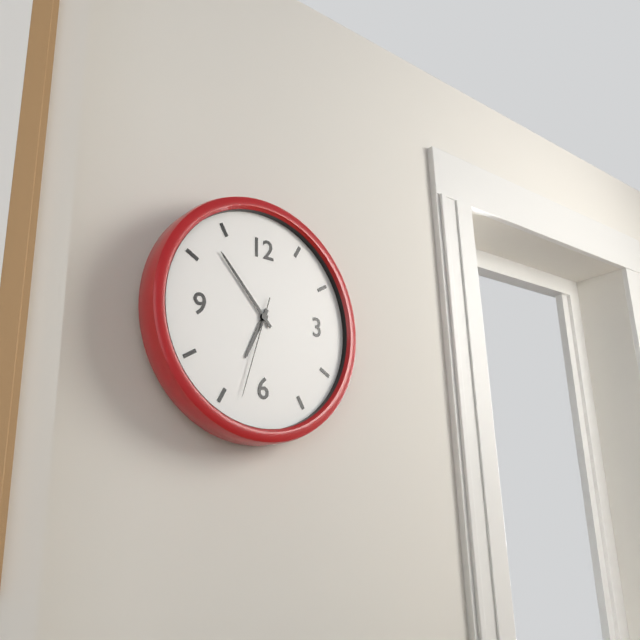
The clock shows 6h53m33s
